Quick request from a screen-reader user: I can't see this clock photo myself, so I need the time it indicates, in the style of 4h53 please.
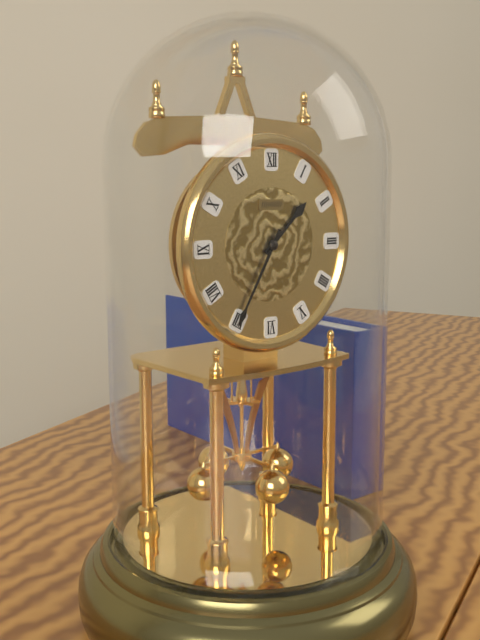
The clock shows 1h35
